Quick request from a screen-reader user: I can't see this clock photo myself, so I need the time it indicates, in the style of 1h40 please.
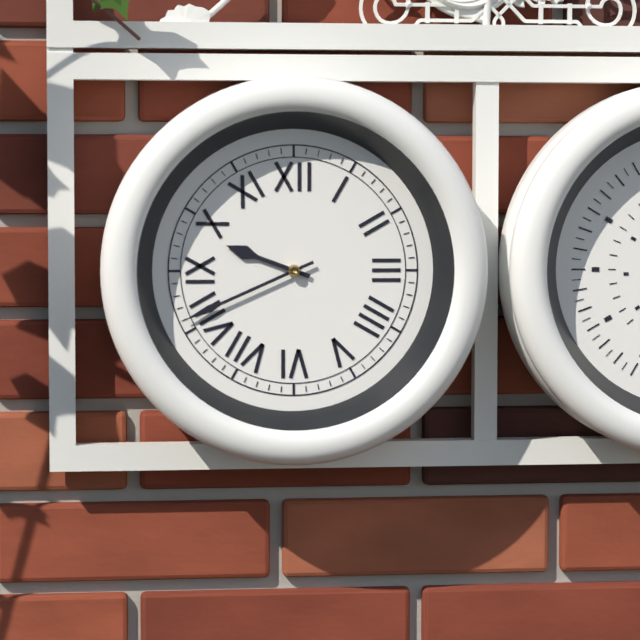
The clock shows 9h41
